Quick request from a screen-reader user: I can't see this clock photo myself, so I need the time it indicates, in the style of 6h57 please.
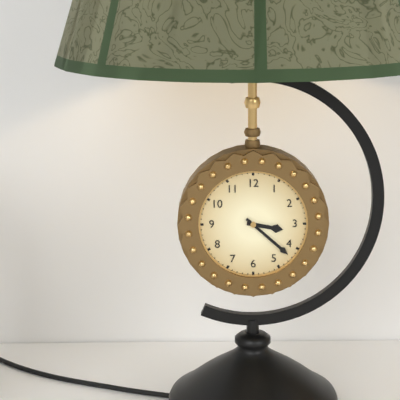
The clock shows 3h22
